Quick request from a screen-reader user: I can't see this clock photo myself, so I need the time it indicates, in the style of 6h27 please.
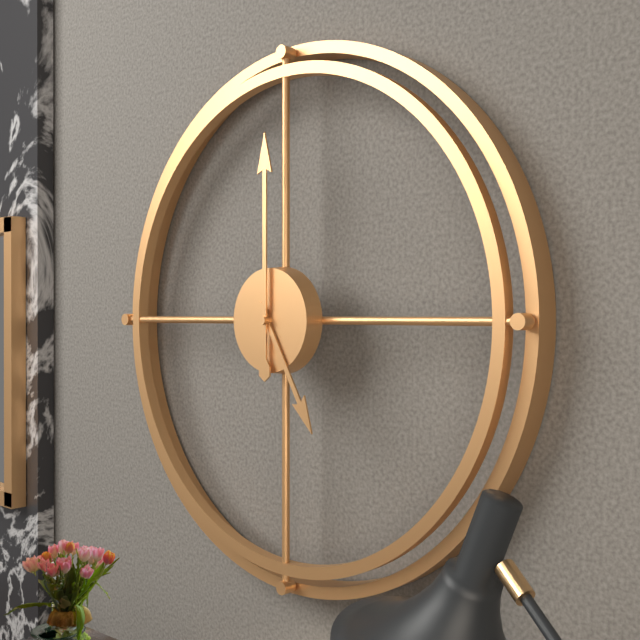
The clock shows 5h00
